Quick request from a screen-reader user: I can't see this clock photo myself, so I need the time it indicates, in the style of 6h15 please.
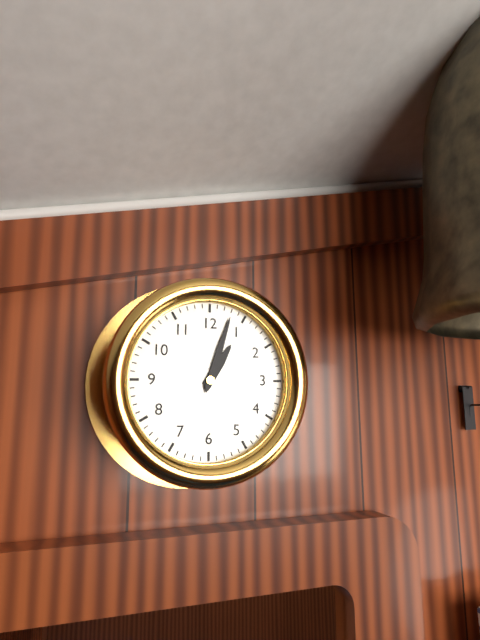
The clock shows 1h03
